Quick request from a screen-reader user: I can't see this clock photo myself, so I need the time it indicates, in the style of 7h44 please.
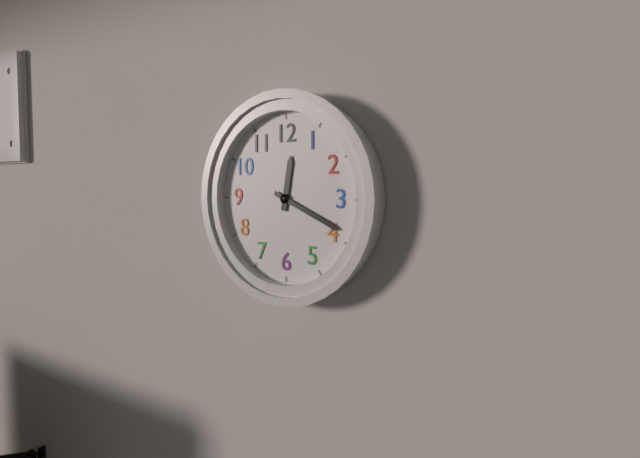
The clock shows 12h19
